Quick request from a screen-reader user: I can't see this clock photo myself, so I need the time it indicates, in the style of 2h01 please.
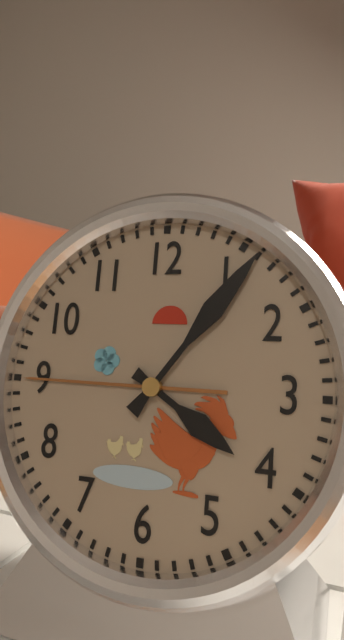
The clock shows 4h06
